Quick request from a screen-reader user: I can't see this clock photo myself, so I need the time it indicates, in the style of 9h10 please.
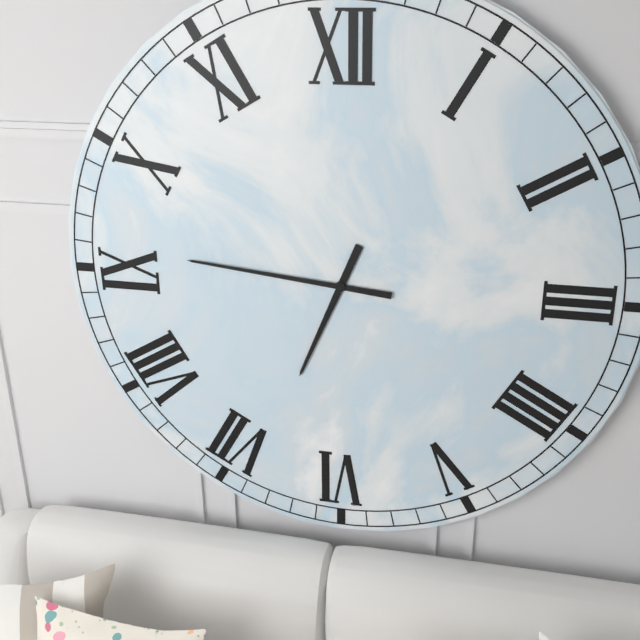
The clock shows 6h46
